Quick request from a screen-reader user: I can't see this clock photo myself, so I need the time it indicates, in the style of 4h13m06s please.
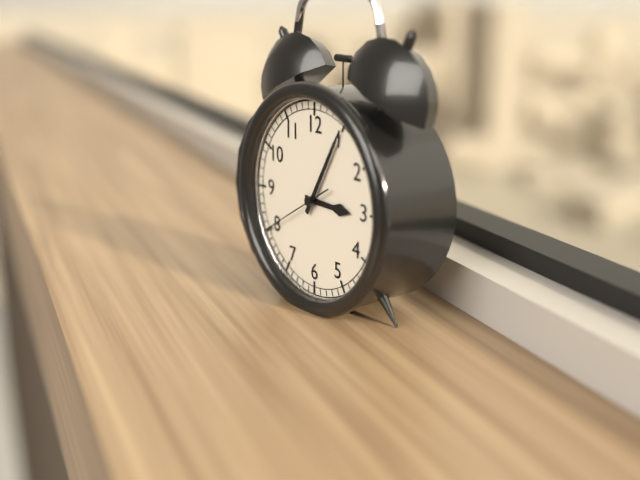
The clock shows 3h05m40s
